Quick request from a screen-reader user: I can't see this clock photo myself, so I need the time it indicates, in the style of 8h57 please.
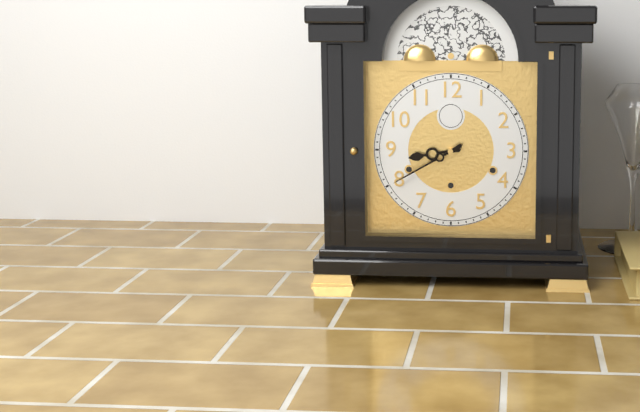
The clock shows 8h40
